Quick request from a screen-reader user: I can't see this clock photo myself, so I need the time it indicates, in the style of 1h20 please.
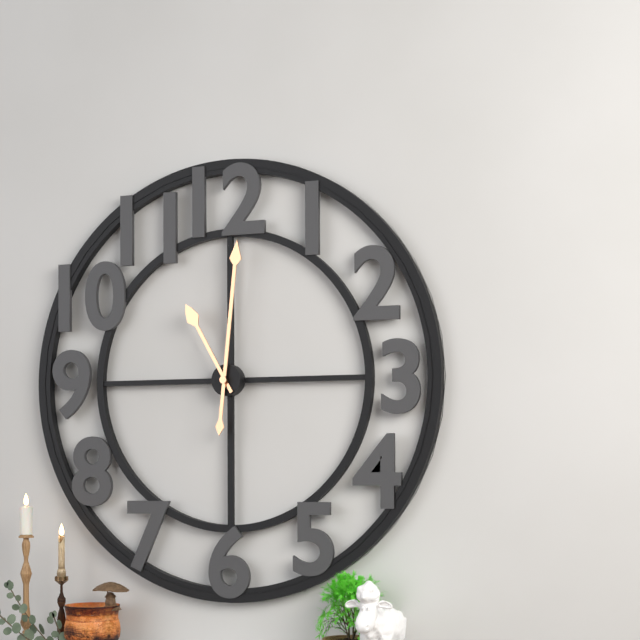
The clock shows 11h01
